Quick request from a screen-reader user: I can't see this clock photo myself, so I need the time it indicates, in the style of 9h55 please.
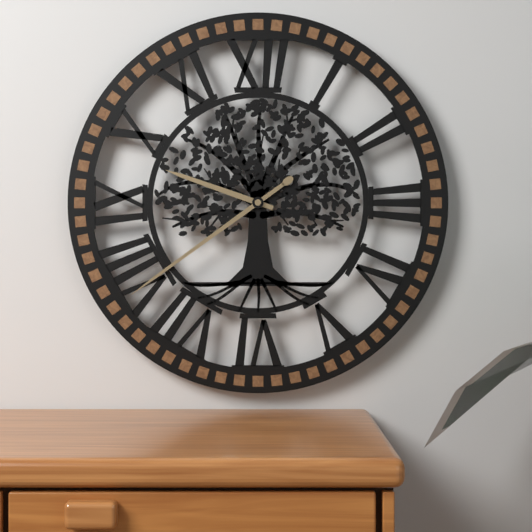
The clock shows 9h39
